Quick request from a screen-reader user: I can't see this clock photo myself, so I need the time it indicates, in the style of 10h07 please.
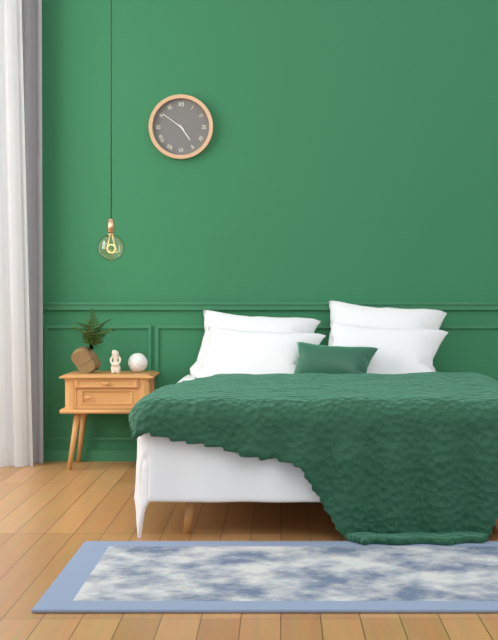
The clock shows 4h51
